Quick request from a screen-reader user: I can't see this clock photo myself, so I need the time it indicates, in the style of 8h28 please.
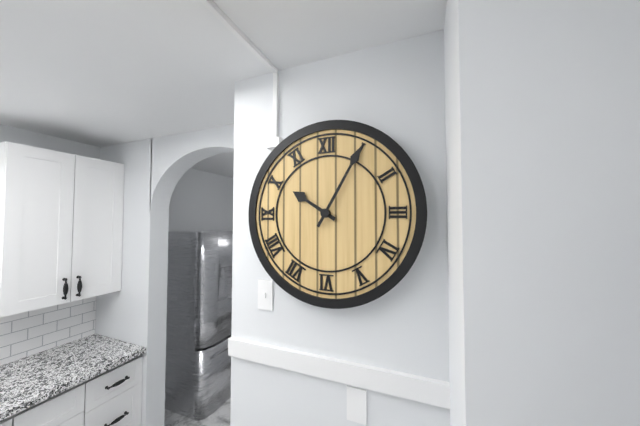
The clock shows 10h05
